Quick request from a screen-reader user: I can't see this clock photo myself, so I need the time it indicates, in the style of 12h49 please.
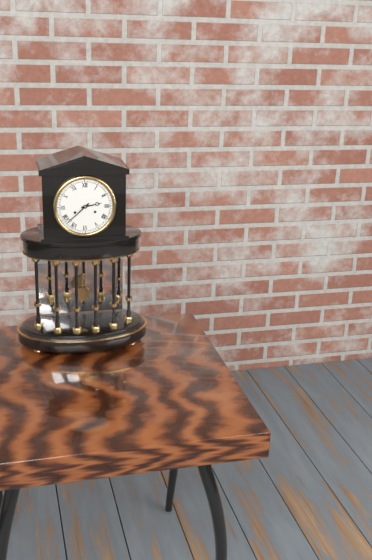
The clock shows 2h38
